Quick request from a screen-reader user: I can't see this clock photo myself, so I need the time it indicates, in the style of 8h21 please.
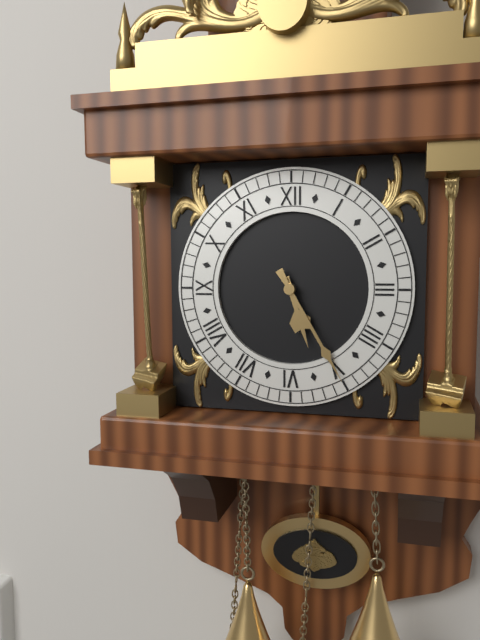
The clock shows 5h25
